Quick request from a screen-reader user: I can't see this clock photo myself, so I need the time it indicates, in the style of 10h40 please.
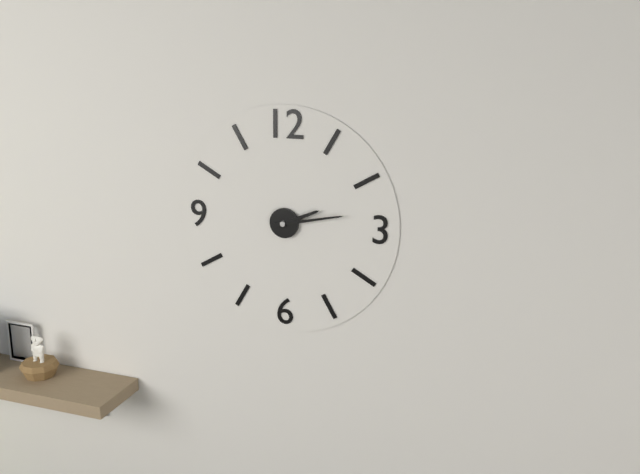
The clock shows 2h13
